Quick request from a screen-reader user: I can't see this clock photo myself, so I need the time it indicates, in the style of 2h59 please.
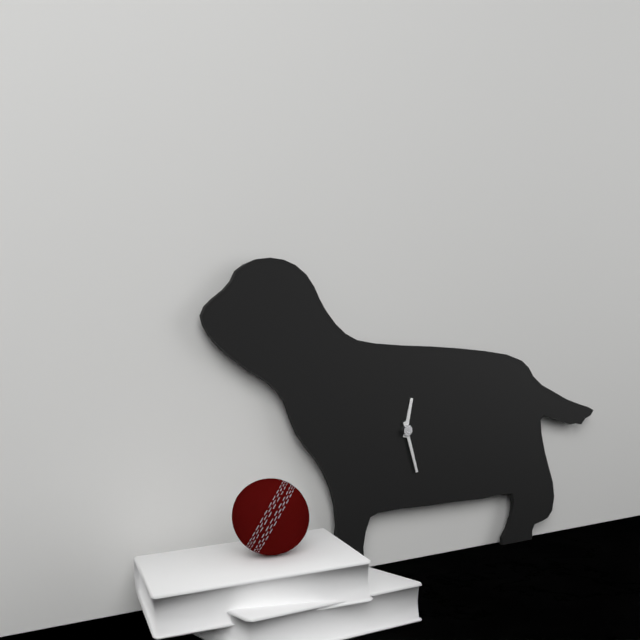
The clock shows 12h27
